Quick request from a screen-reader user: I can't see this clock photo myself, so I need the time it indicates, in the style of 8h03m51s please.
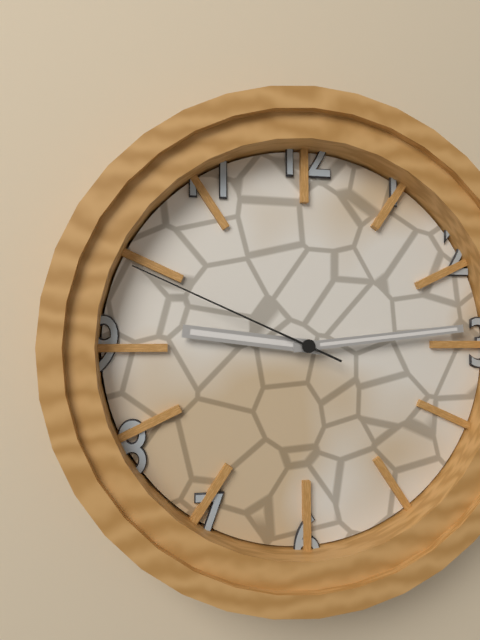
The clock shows 9h14m49s
